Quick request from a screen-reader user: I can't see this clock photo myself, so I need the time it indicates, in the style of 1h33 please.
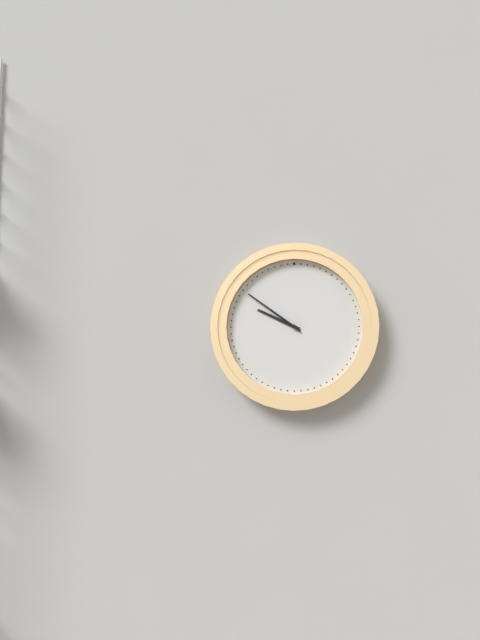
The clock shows 9h51
